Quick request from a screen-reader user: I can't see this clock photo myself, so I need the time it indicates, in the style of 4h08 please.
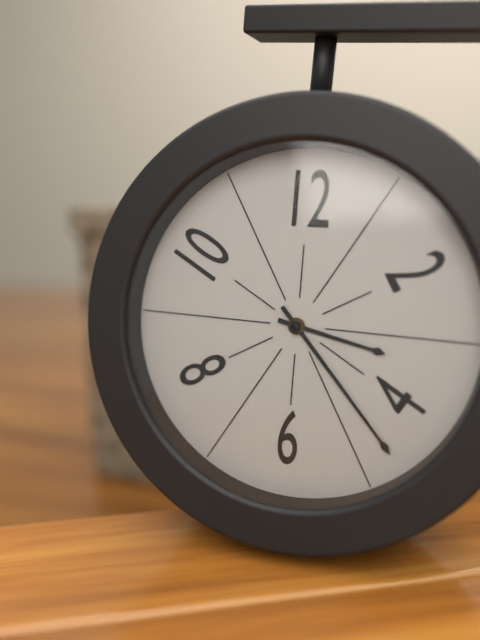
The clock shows 3h23
